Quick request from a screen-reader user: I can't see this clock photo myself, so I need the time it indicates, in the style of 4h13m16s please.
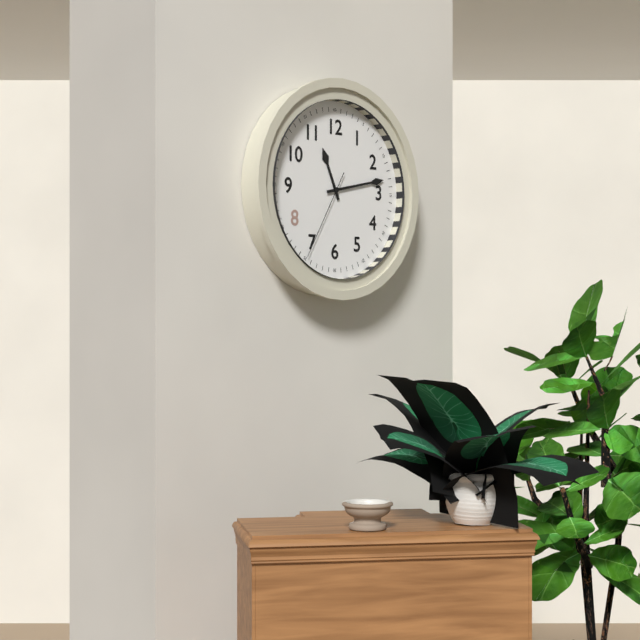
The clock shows 11h13m35s
